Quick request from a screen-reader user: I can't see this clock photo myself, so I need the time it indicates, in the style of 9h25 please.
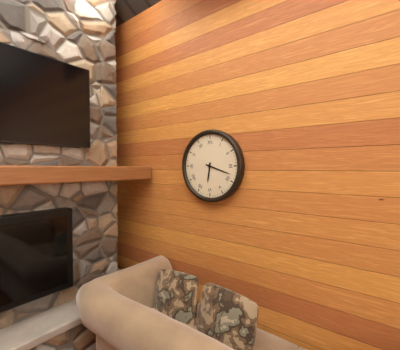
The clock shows 6h18
